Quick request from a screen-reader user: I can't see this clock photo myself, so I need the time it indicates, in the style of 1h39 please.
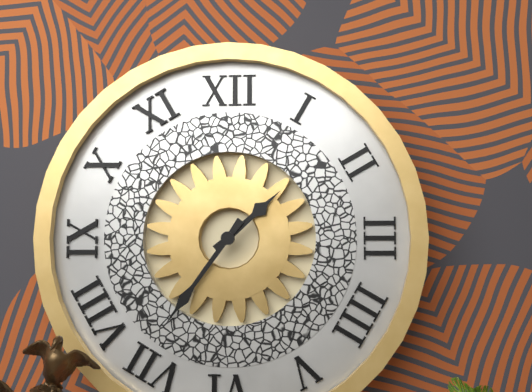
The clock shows 1h36
